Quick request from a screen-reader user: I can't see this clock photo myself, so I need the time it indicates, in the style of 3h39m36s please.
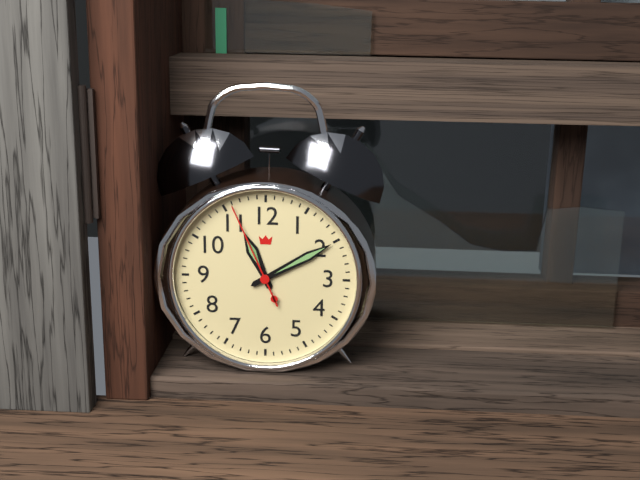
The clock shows 11h10m56s
